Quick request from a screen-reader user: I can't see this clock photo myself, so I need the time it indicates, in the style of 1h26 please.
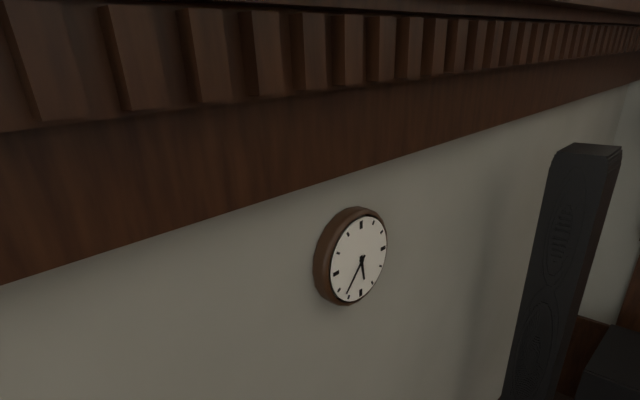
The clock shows 5h37
